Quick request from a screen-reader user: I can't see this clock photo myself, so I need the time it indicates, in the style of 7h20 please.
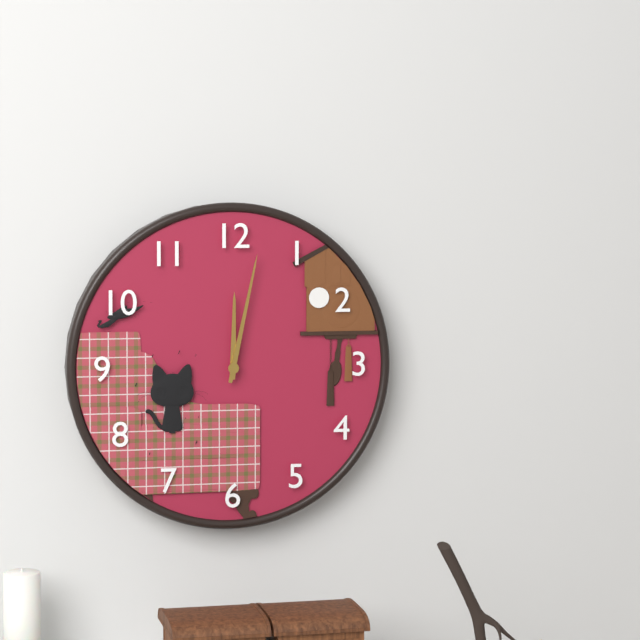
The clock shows 12h02
